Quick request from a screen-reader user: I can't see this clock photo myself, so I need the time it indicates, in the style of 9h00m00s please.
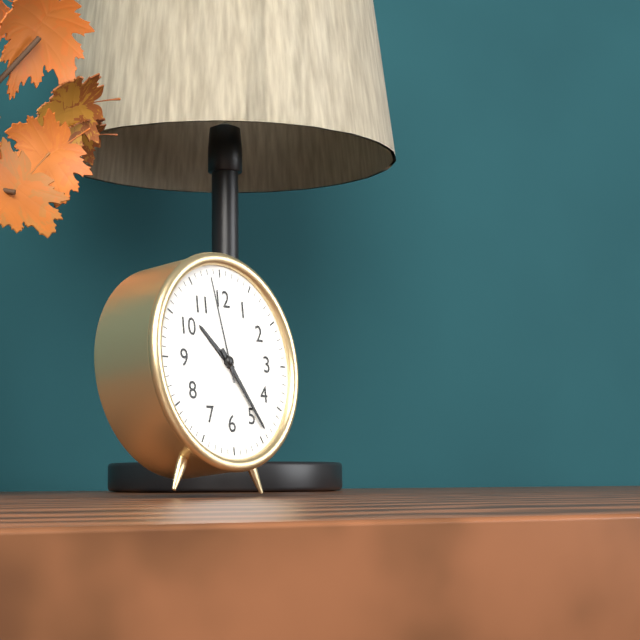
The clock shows 10h24m58s
